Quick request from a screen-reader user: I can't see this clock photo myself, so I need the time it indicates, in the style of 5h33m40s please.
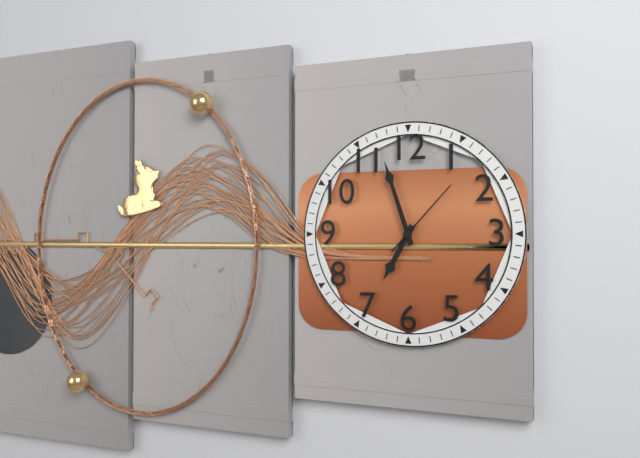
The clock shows 6h57m07s
